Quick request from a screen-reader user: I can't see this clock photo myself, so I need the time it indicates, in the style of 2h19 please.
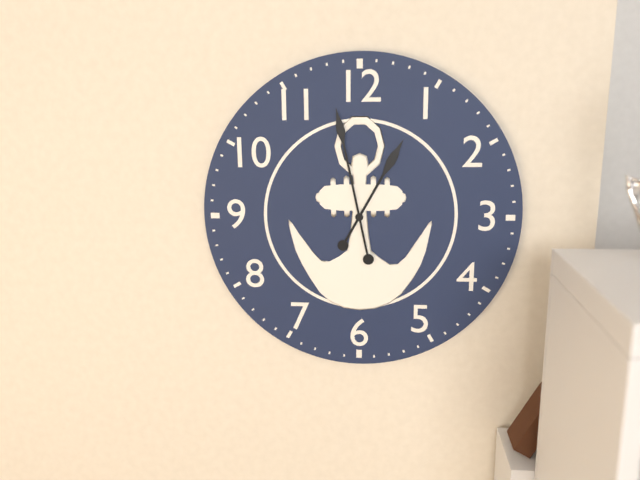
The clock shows 12h58
